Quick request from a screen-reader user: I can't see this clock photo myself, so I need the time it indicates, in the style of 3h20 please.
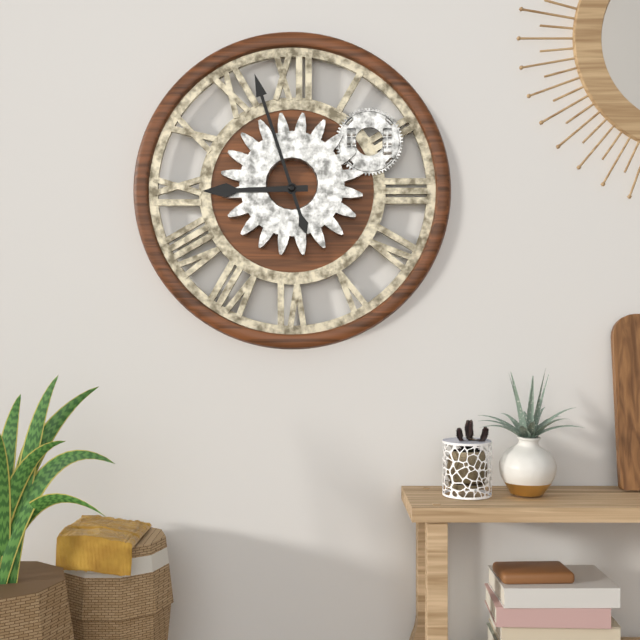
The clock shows 8h57
